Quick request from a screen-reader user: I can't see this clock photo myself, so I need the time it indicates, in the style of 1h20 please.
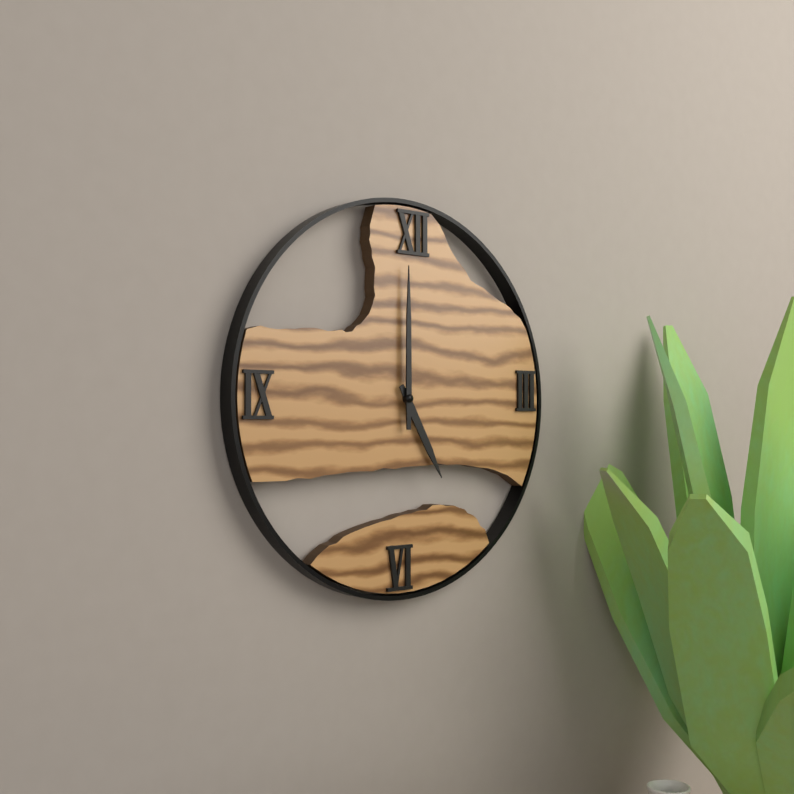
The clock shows 5h00
